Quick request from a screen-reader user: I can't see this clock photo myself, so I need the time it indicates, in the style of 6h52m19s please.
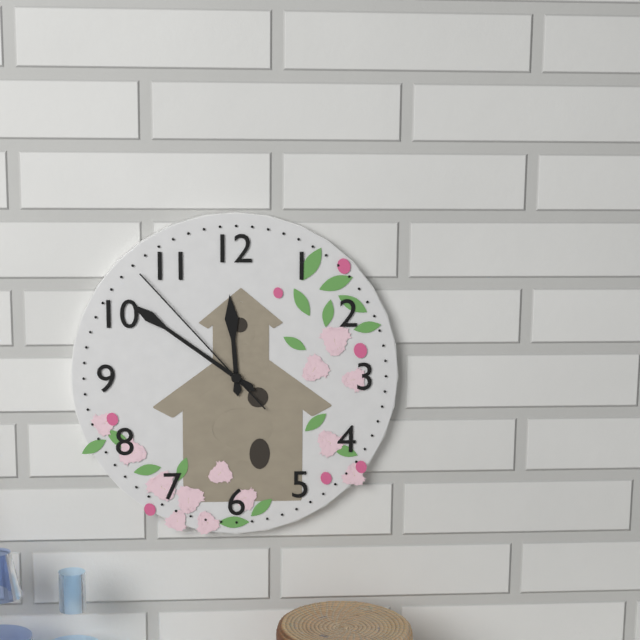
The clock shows 11h51m53s
